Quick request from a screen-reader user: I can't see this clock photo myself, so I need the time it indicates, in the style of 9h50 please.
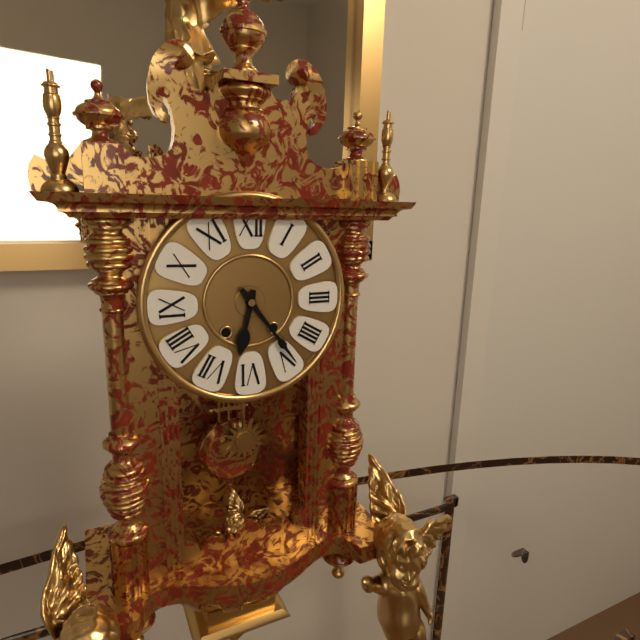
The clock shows 6h24
